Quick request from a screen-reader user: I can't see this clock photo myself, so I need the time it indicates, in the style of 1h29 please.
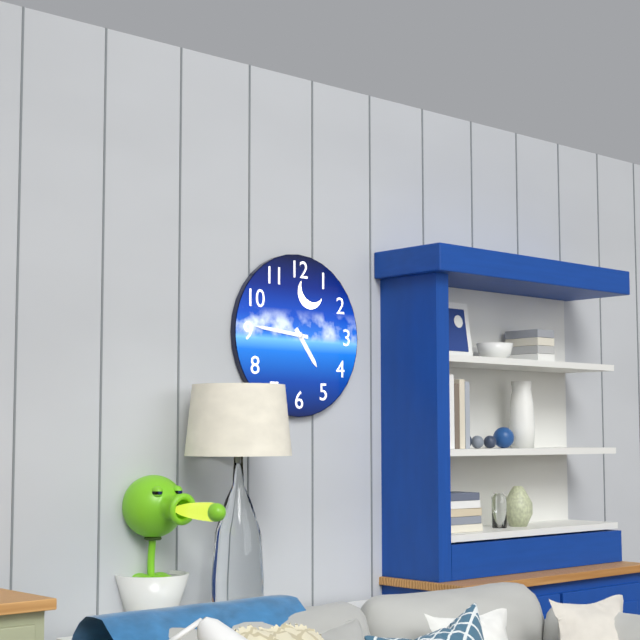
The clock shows 4h46
